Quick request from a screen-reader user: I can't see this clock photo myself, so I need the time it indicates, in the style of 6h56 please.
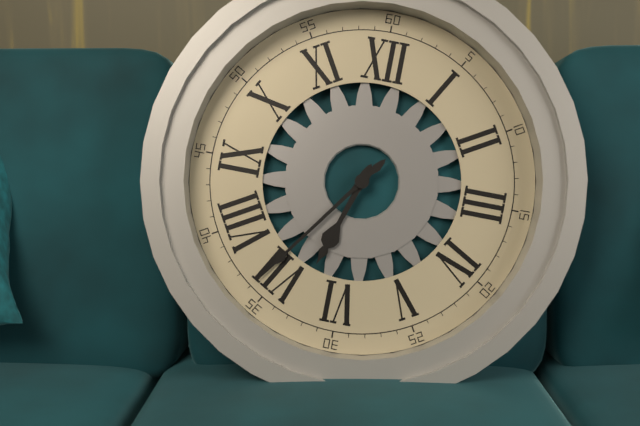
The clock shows 6h36
